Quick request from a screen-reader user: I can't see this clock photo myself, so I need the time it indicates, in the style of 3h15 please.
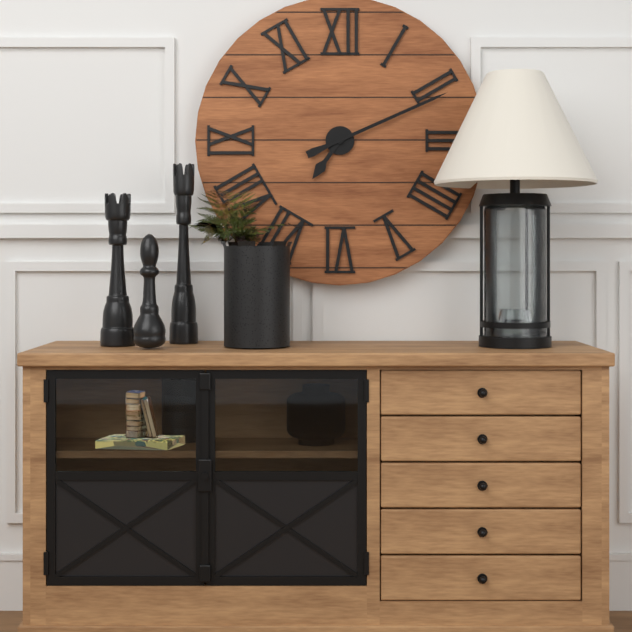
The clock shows 7h11
